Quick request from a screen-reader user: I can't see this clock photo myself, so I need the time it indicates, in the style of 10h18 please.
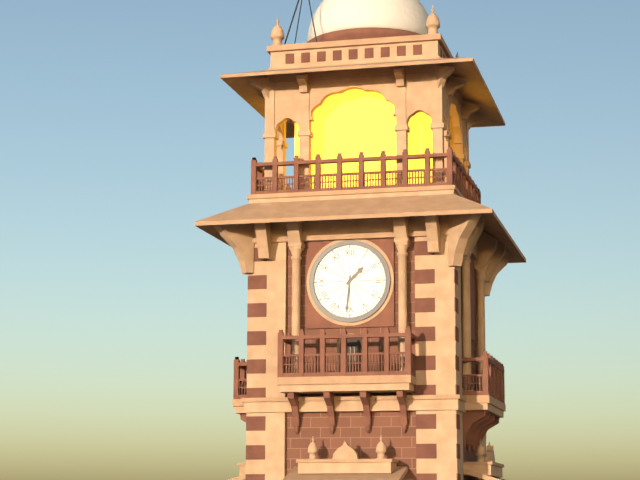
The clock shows 1h31
